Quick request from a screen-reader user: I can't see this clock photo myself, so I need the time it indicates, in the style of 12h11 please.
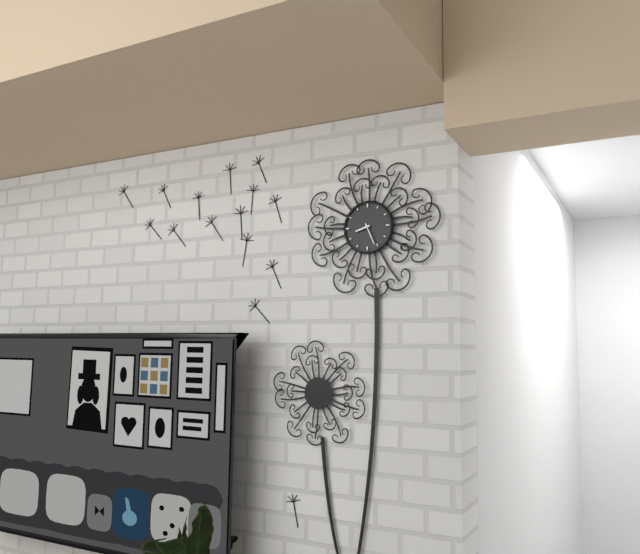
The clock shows 8h26
